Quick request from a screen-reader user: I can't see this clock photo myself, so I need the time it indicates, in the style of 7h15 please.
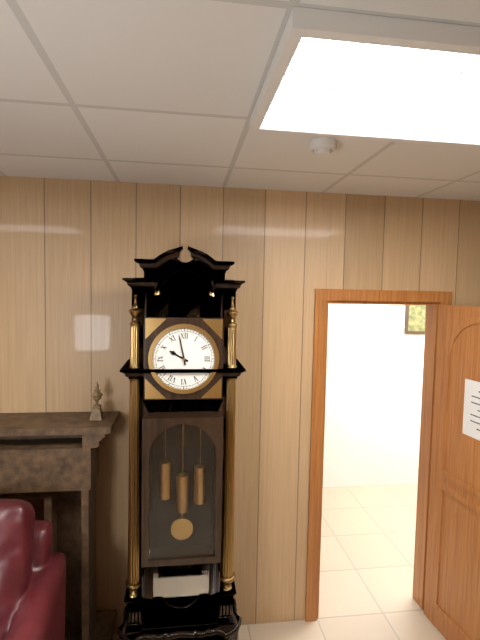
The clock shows 9h58
